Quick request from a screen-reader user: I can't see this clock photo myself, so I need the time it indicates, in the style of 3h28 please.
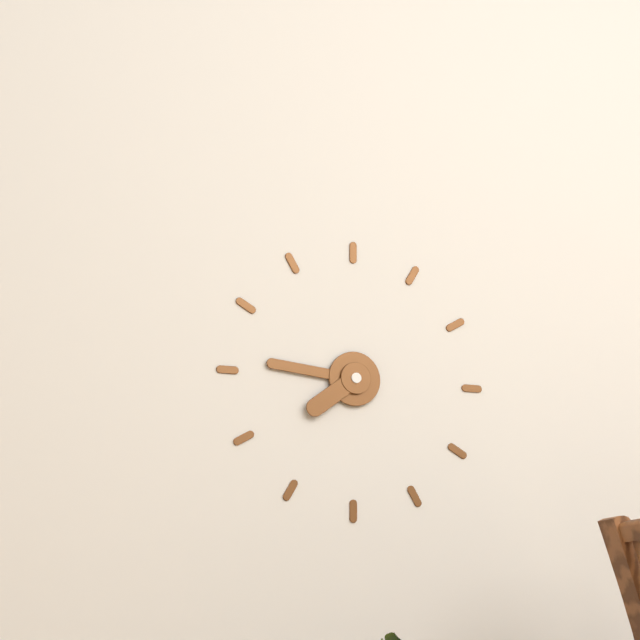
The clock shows 7h46
